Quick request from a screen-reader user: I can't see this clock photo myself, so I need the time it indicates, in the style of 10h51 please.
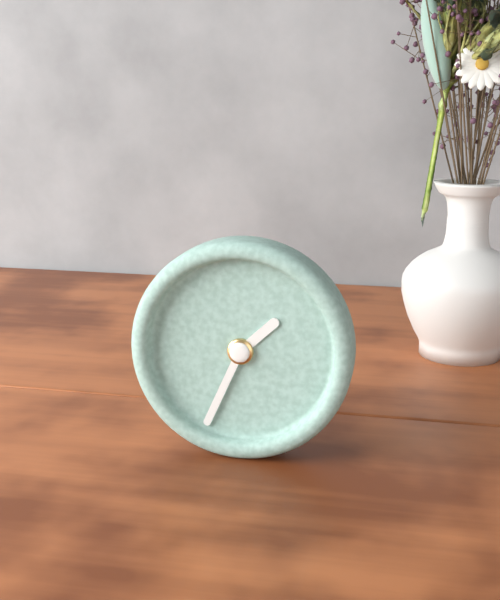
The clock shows 1h34
